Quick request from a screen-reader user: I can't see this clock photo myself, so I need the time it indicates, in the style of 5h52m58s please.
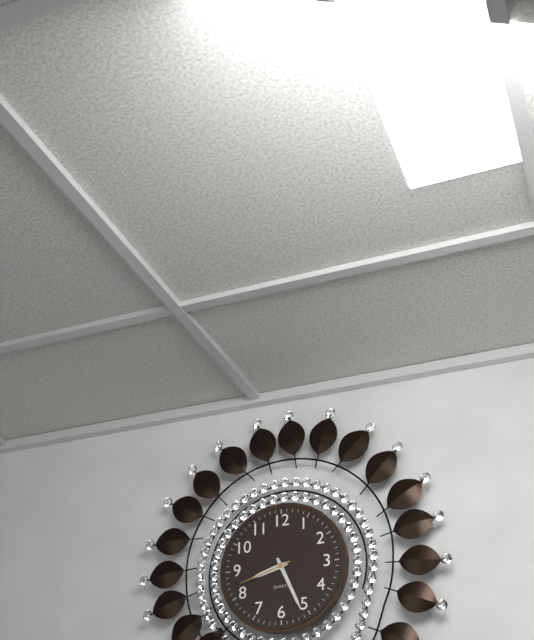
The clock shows 8h26m42s
